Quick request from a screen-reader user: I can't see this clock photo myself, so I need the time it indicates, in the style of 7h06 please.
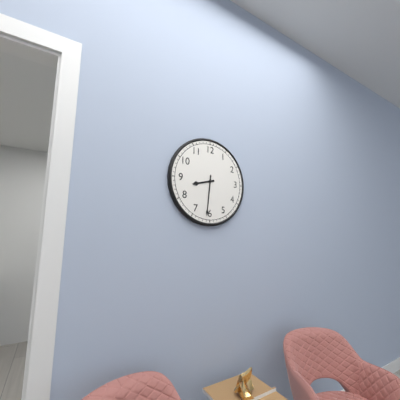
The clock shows 8h31
